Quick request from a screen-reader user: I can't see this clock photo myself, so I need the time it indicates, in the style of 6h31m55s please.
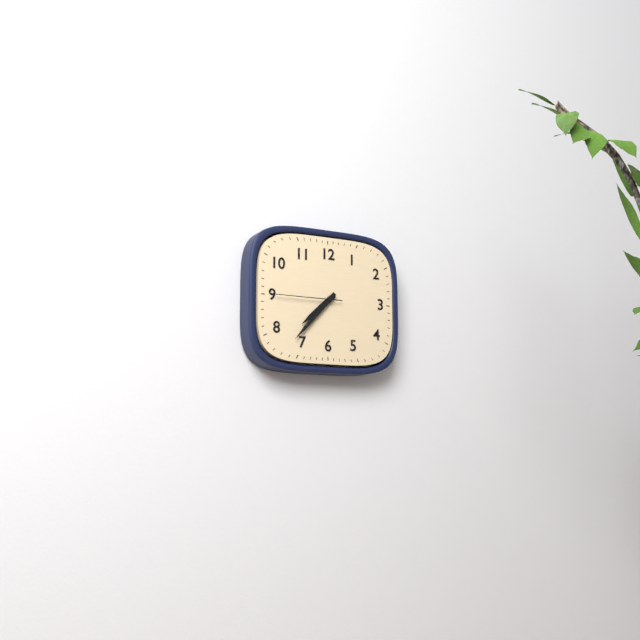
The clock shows 7h37m45s
